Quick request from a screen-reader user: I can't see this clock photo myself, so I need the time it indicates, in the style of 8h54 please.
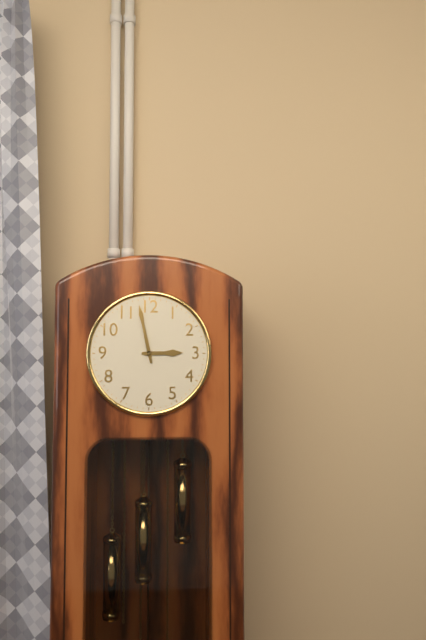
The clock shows 2h58
